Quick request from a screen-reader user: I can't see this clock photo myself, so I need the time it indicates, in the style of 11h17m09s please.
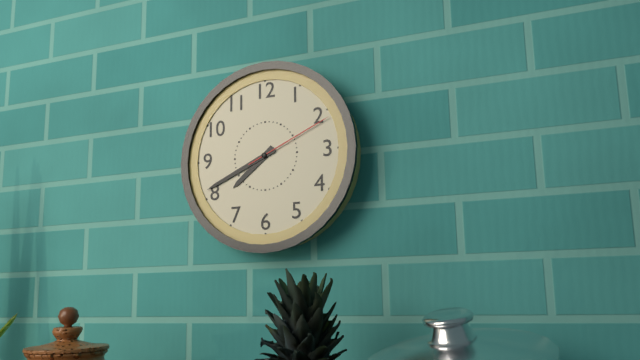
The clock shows 7h41m11s
